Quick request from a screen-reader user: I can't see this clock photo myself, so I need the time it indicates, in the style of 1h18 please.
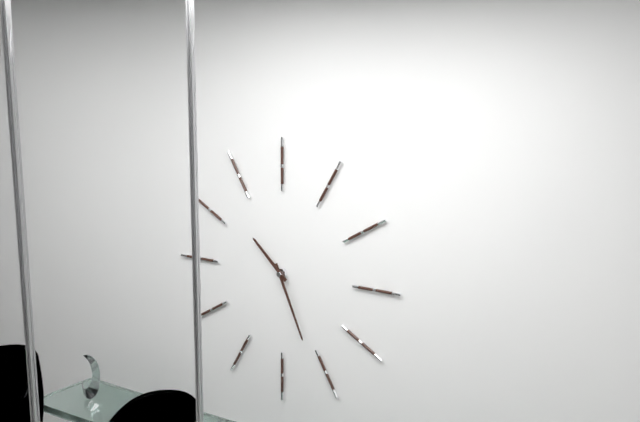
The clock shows 10h26
